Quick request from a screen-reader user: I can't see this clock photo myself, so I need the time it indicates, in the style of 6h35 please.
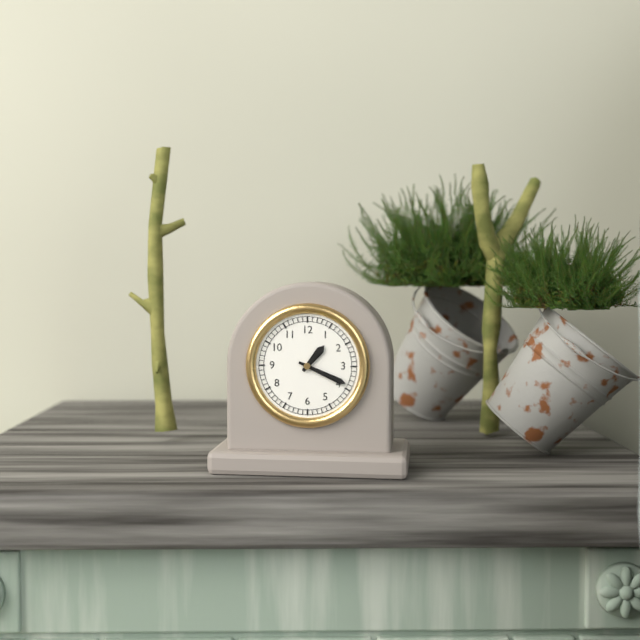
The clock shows 1h19
